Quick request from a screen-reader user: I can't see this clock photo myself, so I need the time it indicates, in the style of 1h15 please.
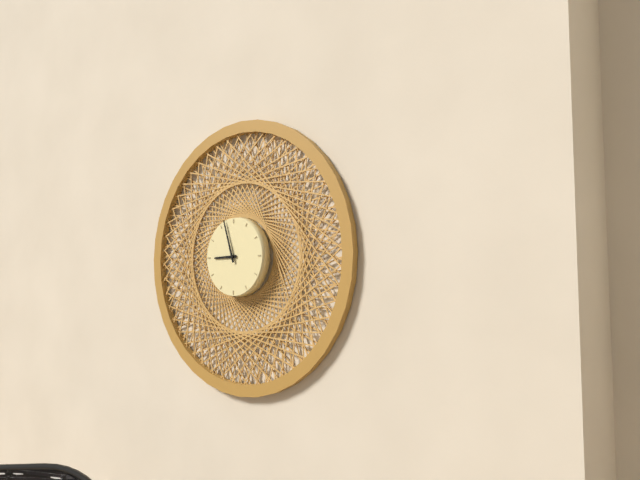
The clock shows 8h57
